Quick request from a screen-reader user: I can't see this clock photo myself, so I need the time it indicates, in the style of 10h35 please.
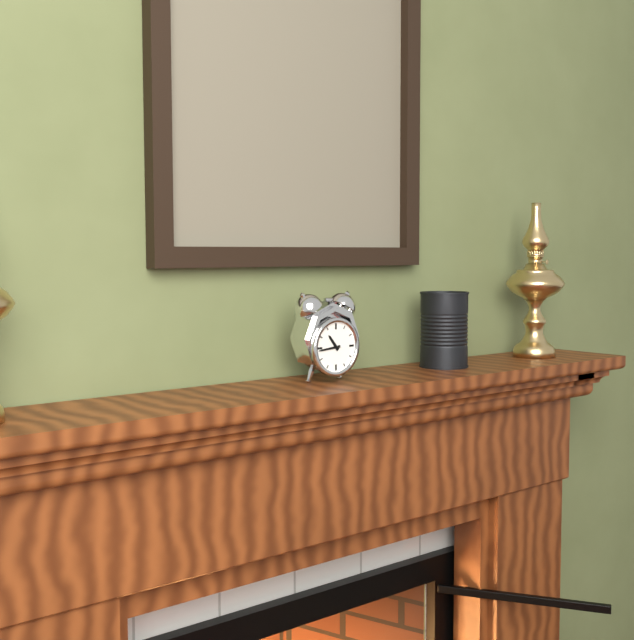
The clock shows 10h44
